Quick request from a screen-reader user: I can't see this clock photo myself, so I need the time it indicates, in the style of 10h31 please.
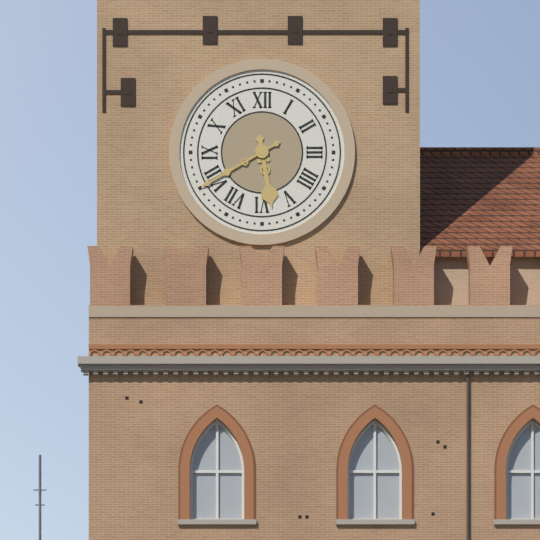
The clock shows 5h40
